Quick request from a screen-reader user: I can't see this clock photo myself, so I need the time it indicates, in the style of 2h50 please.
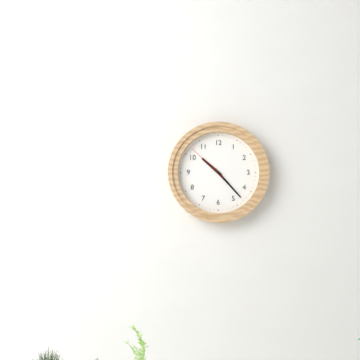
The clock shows 10h23
